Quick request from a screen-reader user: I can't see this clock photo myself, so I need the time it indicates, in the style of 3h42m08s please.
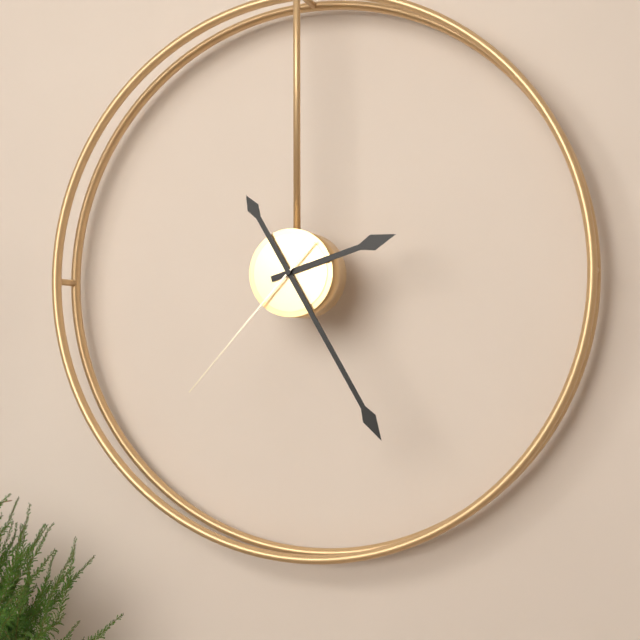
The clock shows 2h25m37s
